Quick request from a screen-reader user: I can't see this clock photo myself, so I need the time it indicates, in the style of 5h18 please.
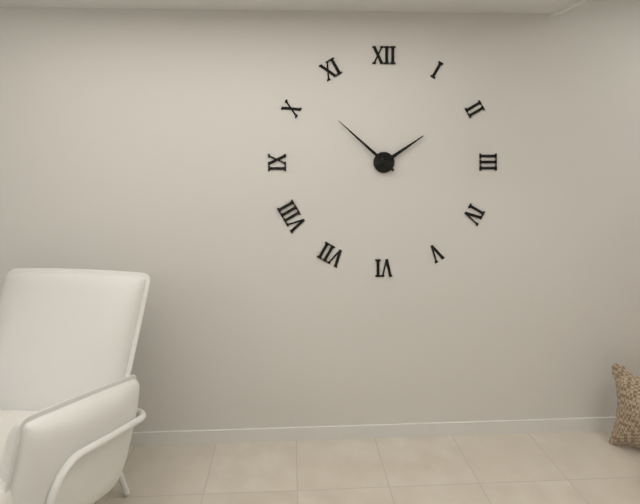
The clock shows 1h52
